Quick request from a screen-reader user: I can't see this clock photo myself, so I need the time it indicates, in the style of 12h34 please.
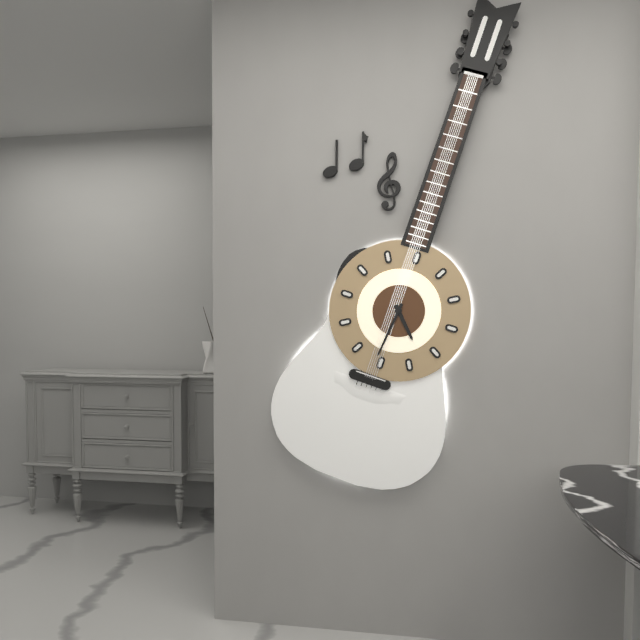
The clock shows 4h31
